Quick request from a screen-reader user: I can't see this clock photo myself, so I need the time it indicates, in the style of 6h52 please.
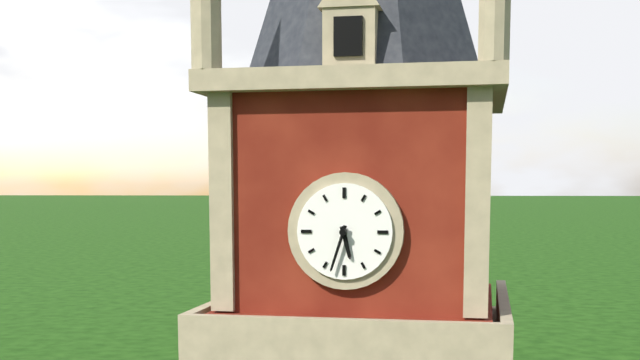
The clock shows 5h33
